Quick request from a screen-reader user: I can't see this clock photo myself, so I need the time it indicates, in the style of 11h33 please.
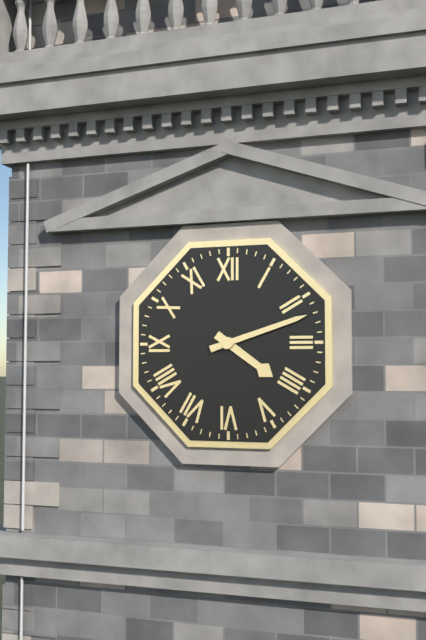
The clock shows 4h12
